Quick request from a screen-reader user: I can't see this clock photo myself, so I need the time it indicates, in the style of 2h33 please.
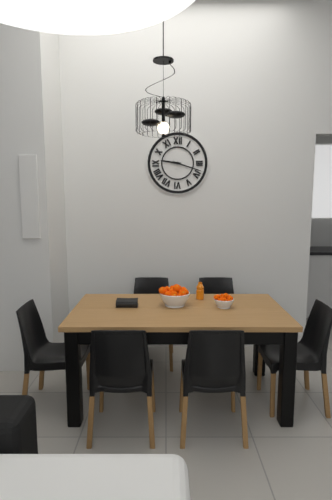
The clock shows 9h18
